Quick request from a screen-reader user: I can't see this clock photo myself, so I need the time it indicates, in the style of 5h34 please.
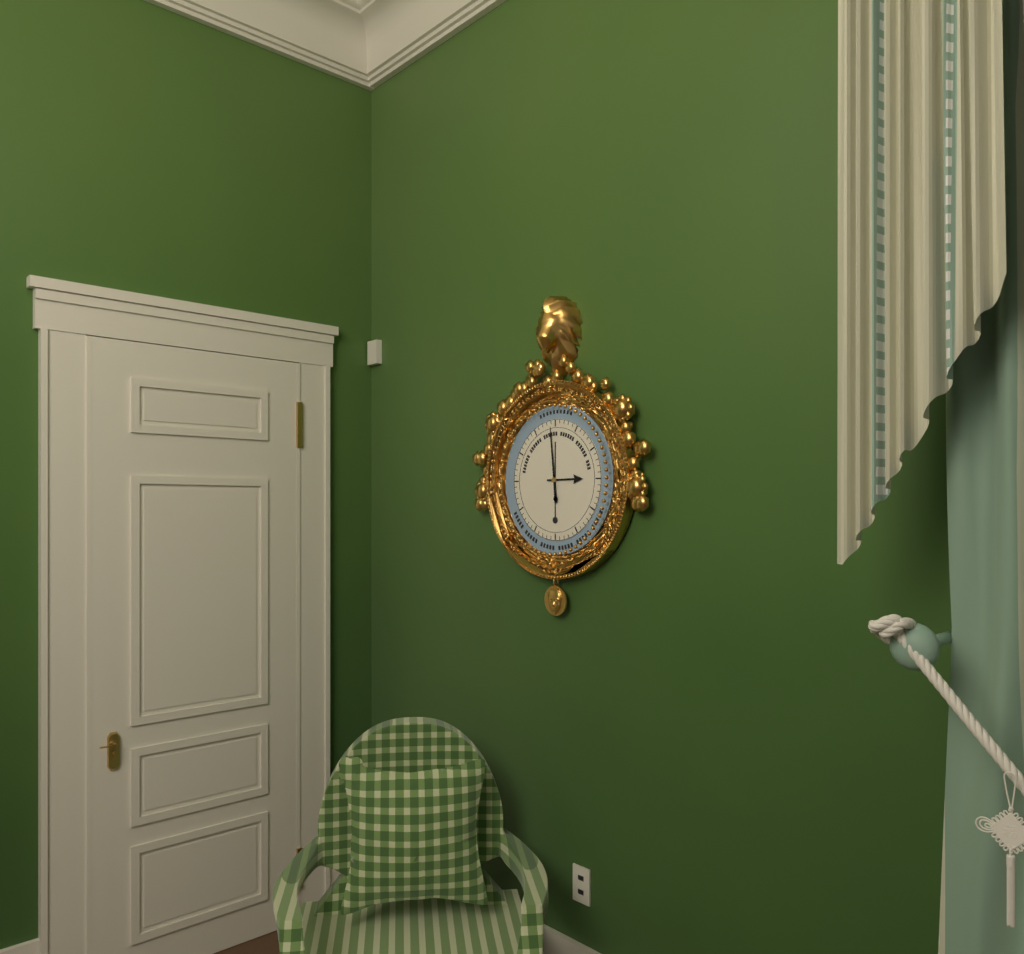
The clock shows 2h59
